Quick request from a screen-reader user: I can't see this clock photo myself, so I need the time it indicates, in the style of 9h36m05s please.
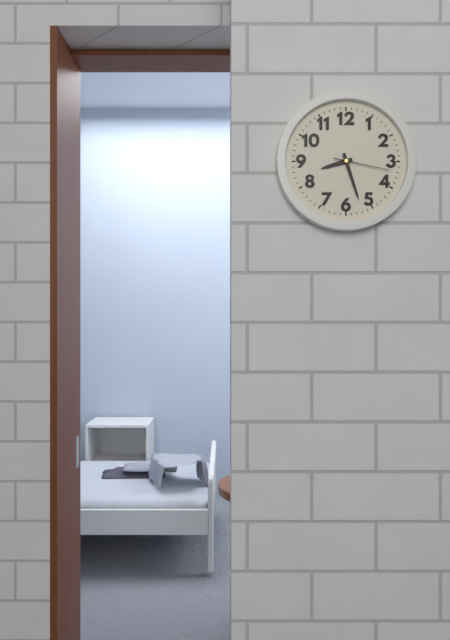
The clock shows 8h27m17s
